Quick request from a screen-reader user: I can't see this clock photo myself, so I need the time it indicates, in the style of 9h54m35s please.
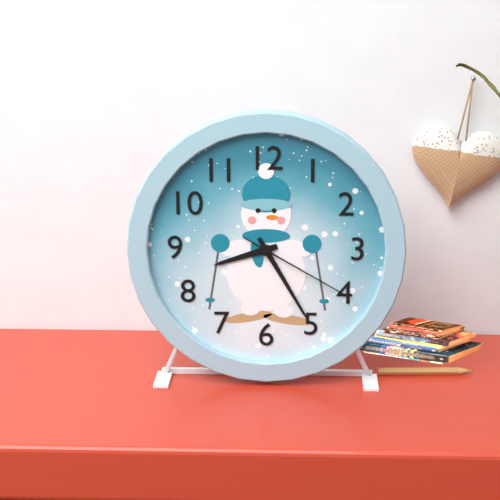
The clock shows 8h25m20s
